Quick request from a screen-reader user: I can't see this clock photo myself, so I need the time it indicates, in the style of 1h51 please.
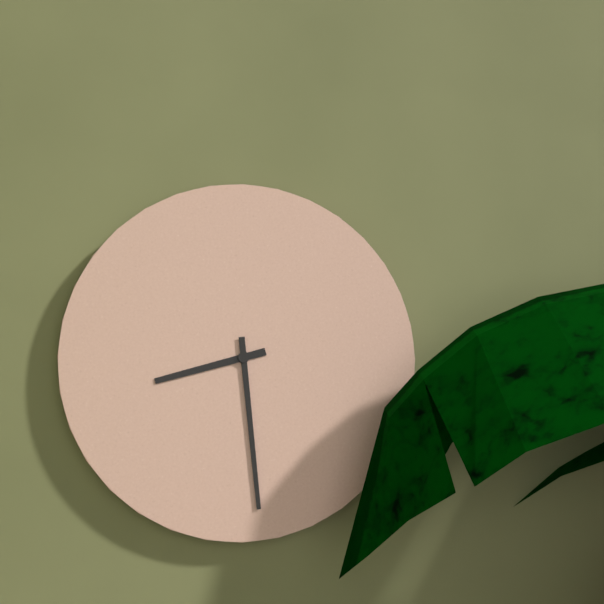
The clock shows 8h29
